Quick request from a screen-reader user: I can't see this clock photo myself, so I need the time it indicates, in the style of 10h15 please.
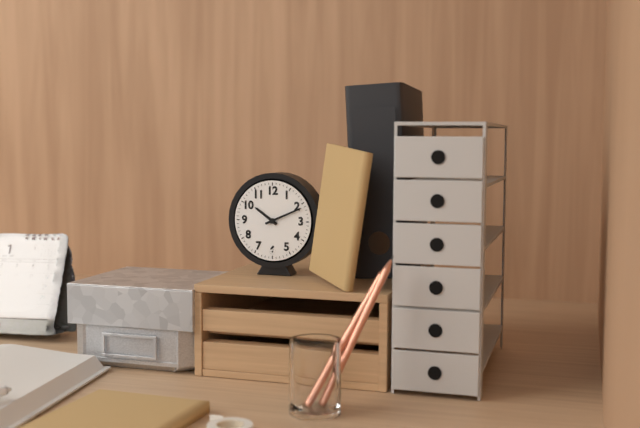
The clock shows 10h11
